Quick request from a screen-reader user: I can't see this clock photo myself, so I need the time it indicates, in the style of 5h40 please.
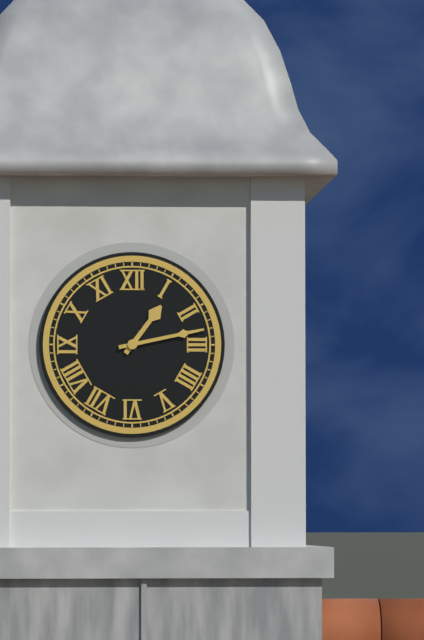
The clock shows 1h13
